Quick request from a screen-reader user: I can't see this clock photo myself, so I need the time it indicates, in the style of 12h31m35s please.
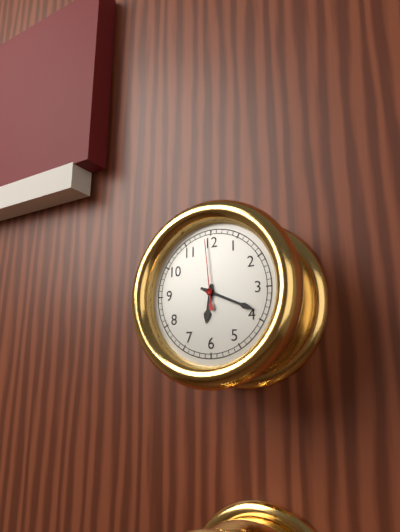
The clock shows 6h19m59s
